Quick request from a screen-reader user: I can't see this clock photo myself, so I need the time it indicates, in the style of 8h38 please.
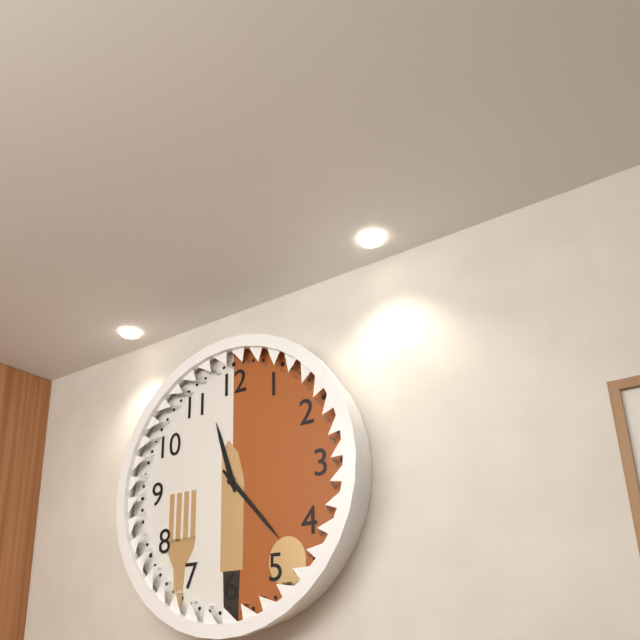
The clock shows 11h23
